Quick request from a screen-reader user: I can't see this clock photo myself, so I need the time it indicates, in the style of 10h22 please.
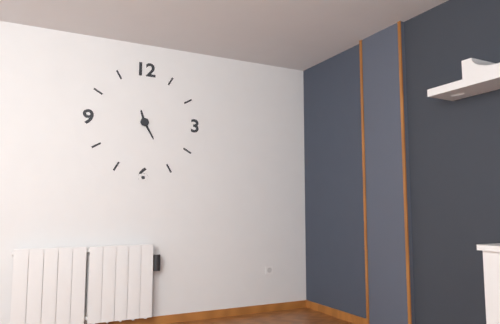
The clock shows 11h25
